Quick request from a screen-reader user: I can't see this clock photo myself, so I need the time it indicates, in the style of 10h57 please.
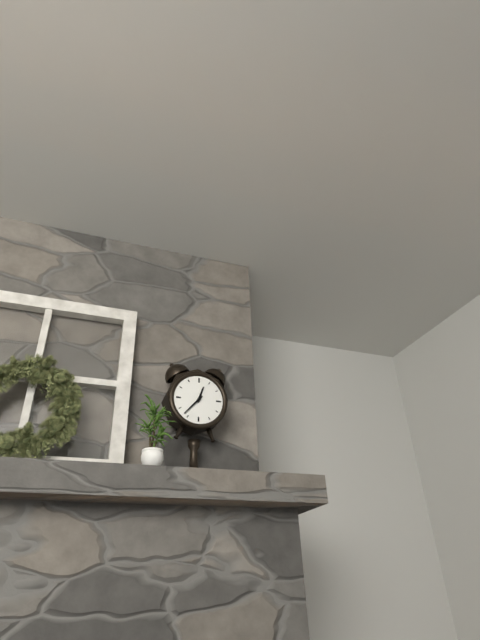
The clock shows 12h37
